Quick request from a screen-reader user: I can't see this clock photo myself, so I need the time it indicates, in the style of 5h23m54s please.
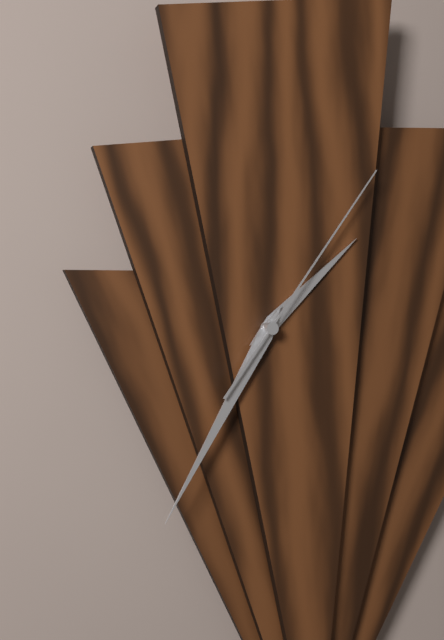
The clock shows 1h35m06s
